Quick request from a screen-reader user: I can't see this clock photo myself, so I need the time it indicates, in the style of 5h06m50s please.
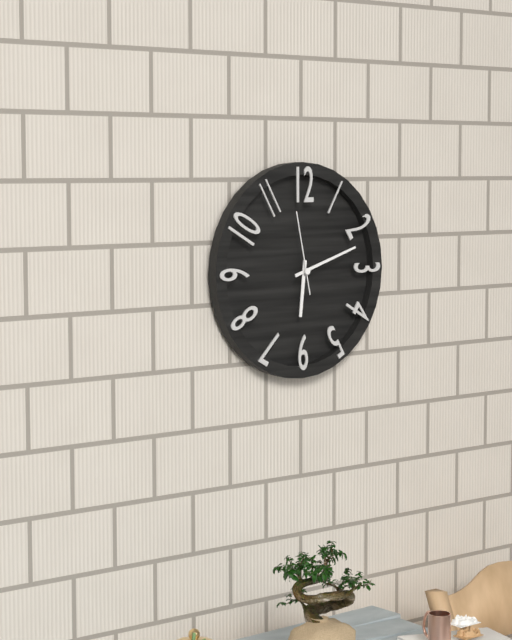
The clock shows 6h12m58s
